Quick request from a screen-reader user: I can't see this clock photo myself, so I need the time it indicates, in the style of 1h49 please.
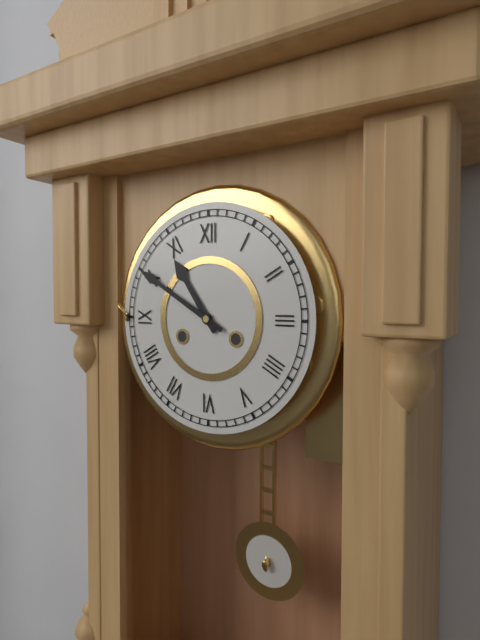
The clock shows 10h50
